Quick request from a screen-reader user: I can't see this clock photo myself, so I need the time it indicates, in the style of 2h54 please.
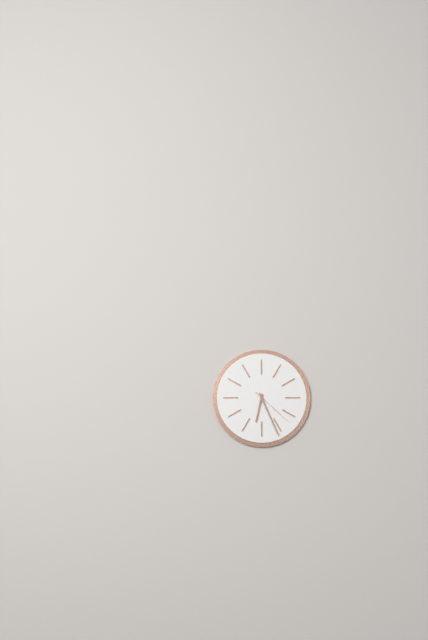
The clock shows 6h26
